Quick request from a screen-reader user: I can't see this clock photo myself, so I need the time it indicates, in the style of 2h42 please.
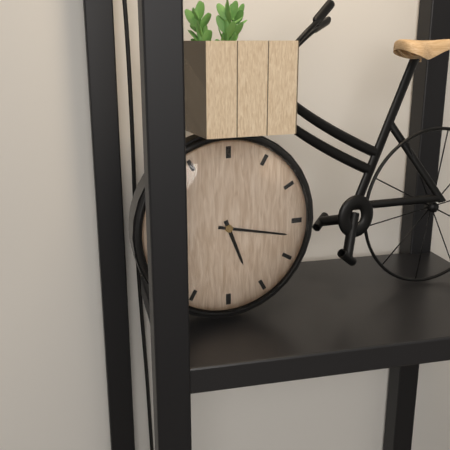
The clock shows 5h17
